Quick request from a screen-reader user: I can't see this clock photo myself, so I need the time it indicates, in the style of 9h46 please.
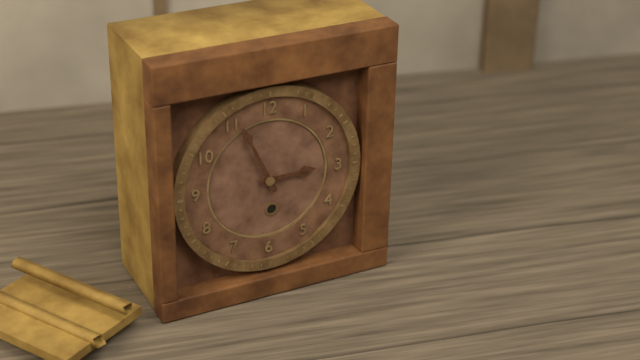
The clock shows 2h56
